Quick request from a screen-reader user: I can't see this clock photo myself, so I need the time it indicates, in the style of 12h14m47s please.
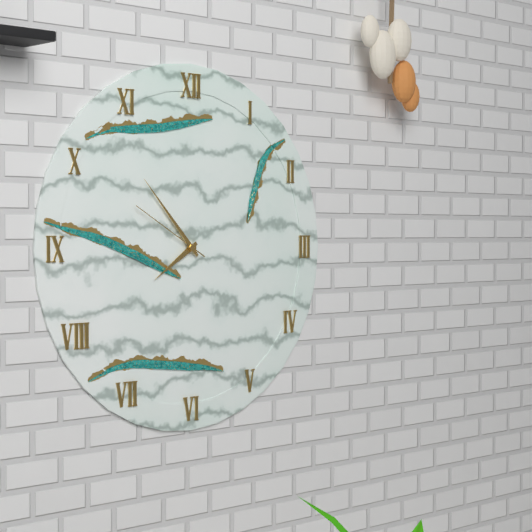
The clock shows 7h53m50s
